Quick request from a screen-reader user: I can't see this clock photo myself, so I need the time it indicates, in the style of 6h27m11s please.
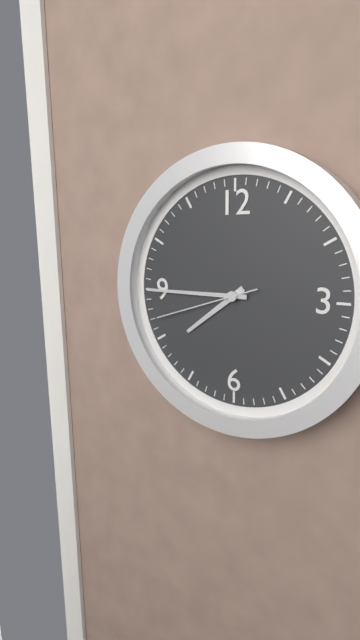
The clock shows 7h45m42s
